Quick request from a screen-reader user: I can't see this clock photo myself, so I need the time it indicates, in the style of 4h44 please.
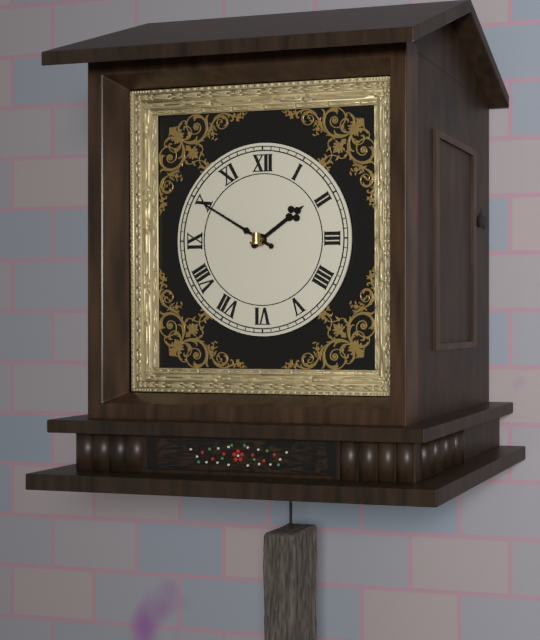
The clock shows 1h50
